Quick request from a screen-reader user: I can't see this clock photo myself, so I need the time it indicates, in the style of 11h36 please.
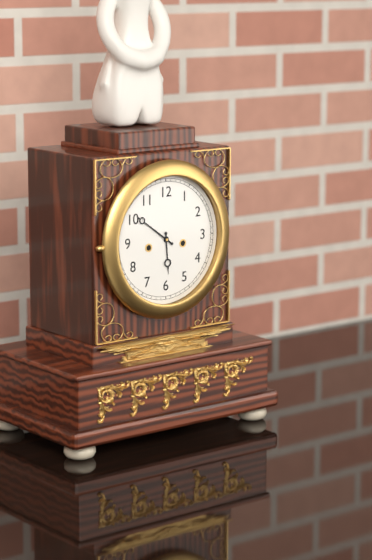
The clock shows 5h51
